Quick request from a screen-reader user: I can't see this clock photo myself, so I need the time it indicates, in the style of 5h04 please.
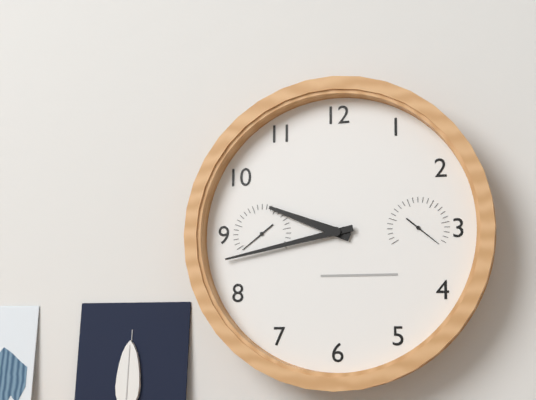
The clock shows 9h43
